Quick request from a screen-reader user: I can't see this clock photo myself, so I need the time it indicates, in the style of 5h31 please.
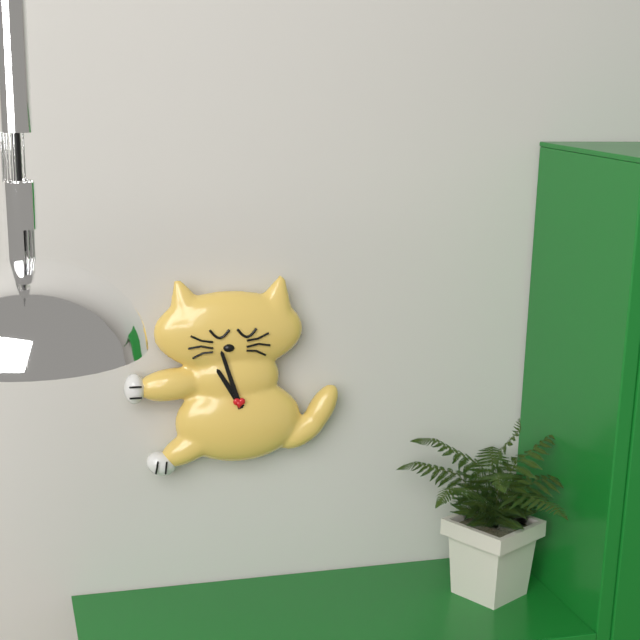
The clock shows 10h57
